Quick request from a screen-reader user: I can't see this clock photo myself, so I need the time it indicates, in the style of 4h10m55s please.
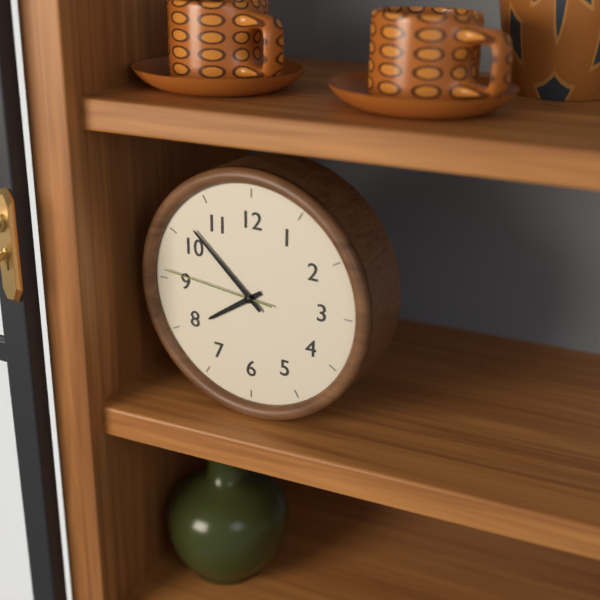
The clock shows 7h52m46s
